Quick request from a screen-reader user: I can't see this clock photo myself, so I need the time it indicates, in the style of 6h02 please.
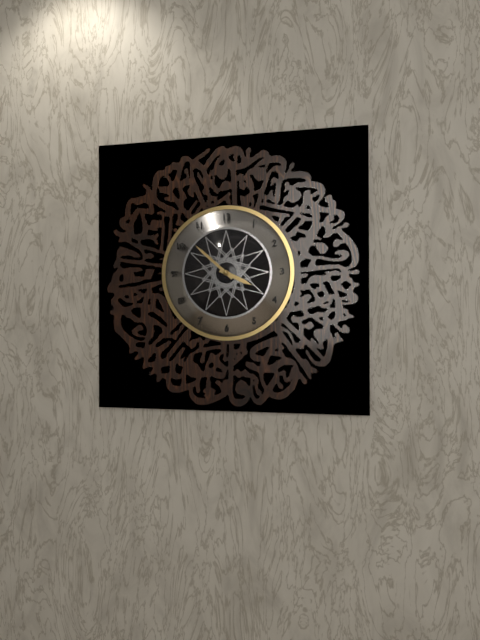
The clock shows 3h52
